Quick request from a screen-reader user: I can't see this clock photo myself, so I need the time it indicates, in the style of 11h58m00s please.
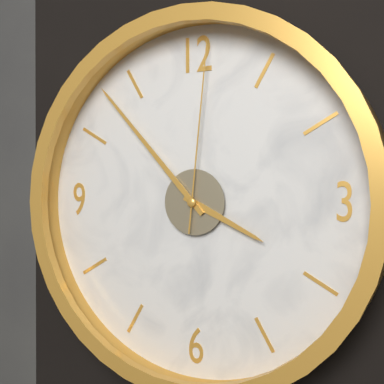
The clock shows 3h53m01s
